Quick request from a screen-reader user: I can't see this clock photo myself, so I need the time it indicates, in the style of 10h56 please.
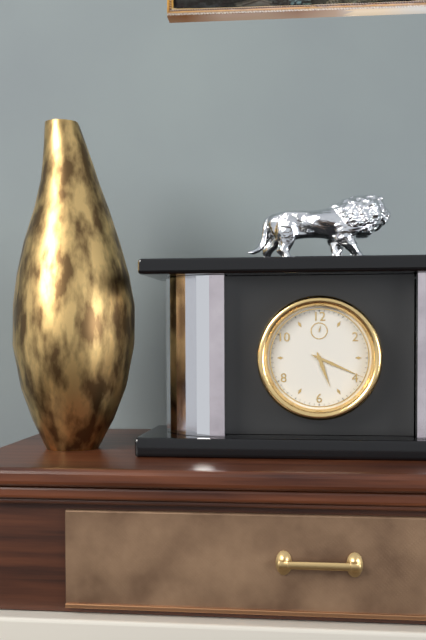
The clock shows 5h19
